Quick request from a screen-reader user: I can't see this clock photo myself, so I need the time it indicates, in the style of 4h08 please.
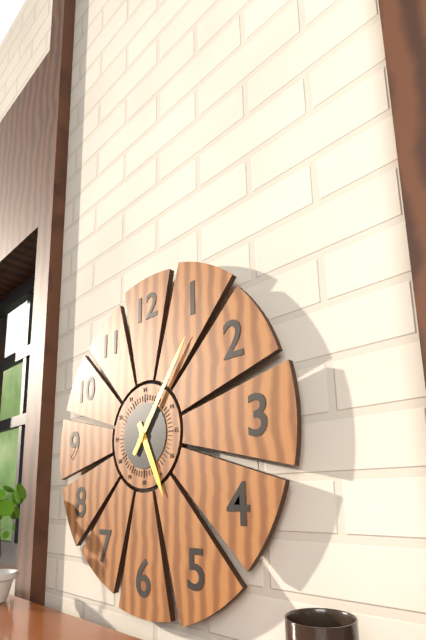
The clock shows 5h06
